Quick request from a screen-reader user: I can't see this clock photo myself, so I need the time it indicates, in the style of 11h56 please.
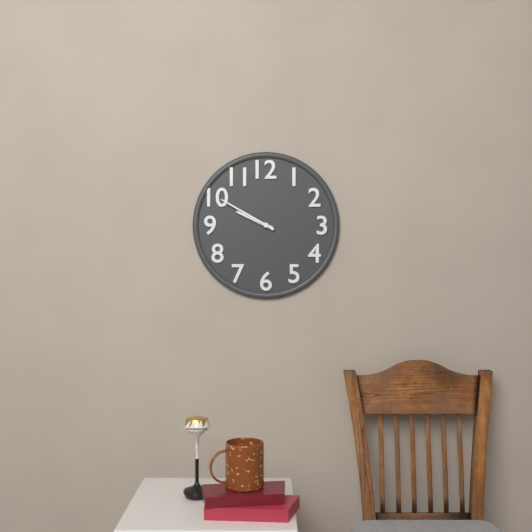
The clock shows 9h50
